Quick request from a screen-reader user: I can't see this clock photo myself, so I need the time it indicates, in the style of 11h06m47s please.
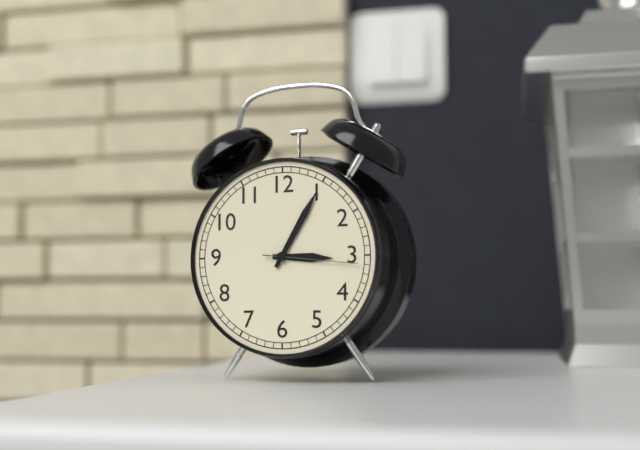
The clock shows 3h05m16s
